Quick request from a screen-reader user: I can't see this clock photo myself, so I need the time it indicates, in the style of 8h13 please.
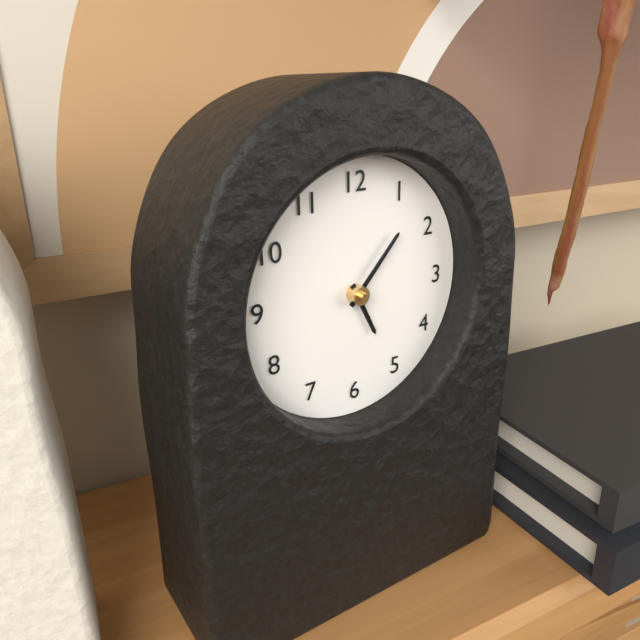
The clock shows 5h07
